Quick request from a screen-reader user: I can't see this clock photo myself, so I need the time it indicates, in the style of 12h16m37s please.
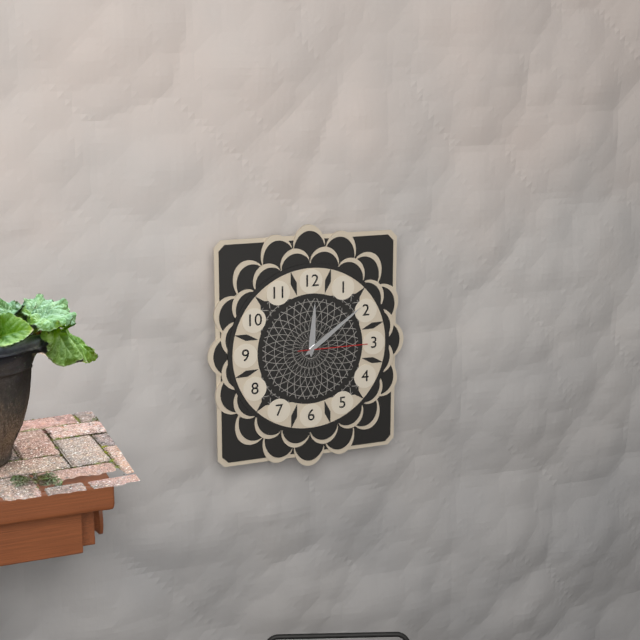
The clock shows 12h09m15s
